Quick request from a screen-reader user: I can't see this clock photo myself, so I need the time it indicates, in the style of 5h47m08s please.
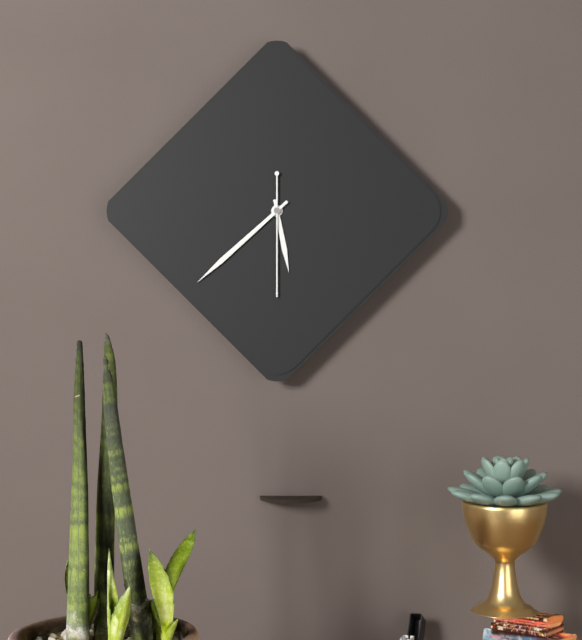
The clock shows 5h38m30s
